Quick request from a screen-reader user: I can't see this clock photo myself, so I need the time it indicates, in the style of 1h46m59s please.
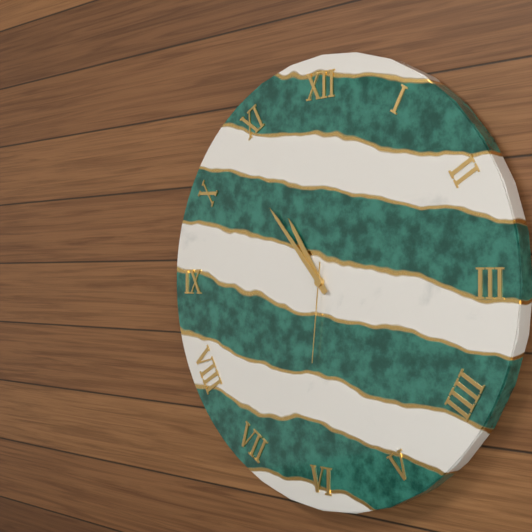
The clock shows 10h53m31s
